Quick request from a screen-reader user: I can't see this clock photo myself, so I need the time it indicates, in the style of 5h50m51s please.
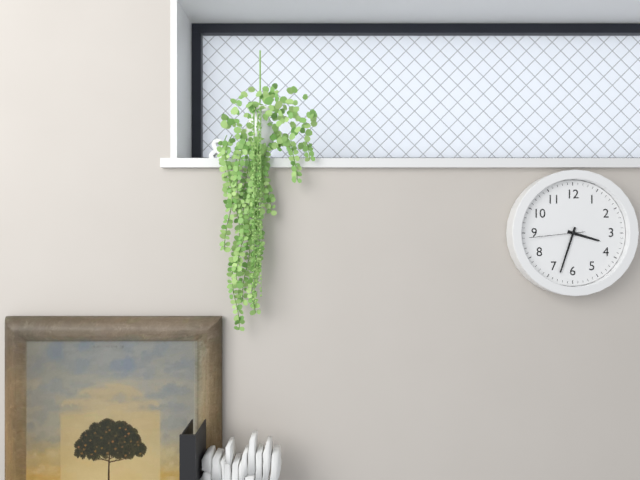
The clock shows 3h33m44s
